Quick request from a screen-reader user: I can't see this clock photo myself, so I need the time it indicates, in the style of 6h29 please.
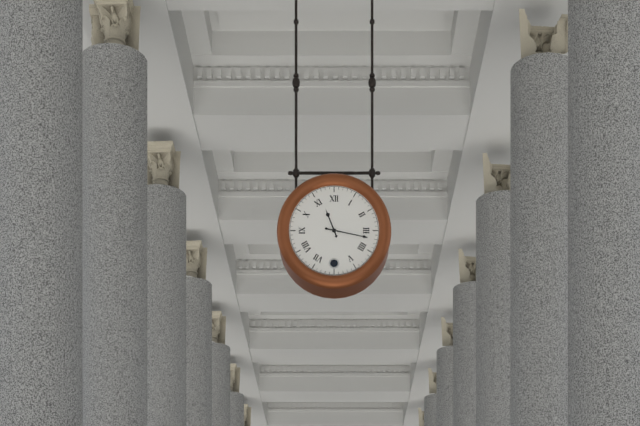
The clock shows 11h17
